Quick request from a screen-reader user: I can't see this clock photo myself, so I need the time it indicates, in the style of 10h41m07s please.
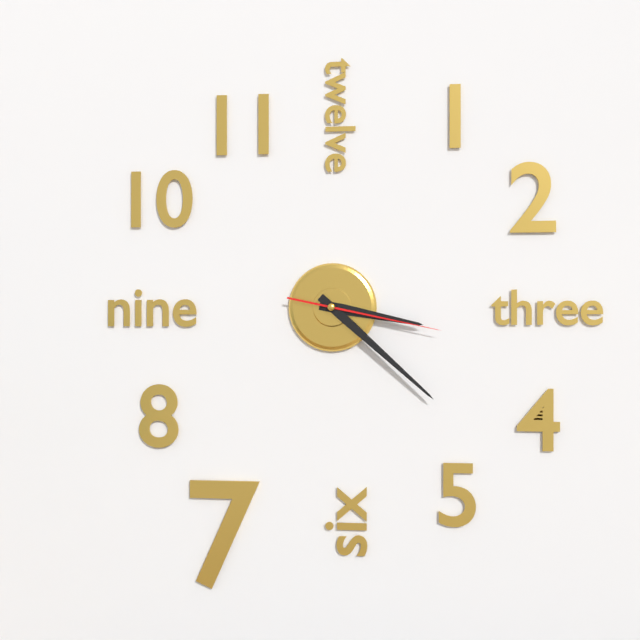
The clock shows 3h22m17s
